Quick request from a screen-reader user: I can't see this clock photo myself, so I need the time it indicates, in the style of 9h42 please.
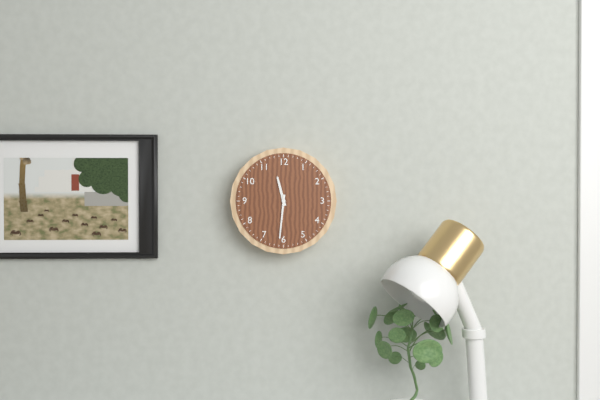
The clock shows 11h31
